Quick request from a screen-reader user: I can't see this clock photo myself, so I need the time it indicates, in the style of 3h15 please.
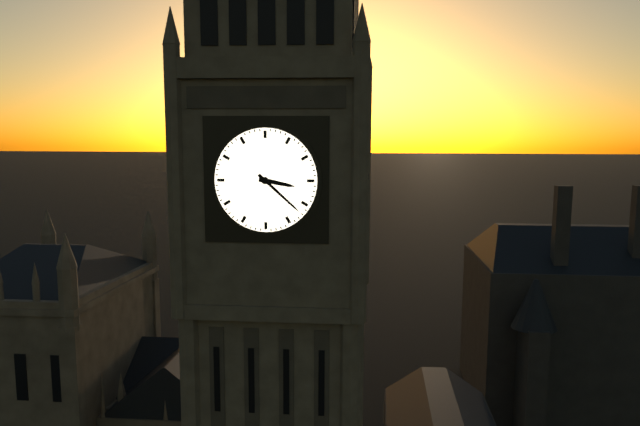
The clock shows 3h22
